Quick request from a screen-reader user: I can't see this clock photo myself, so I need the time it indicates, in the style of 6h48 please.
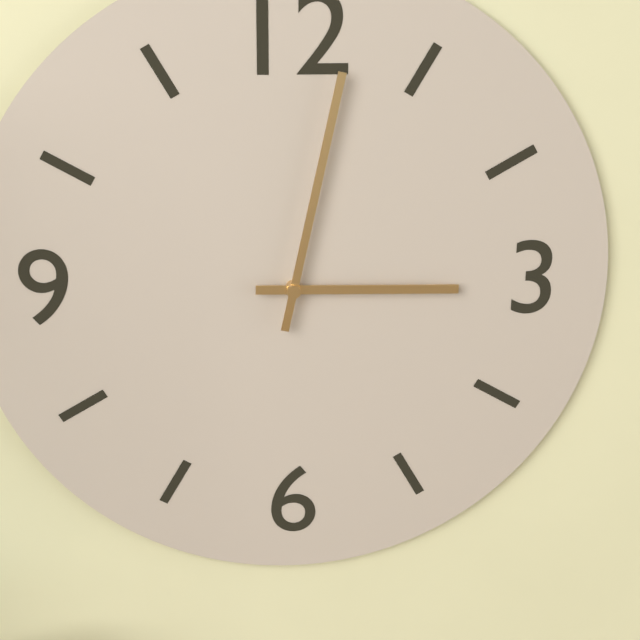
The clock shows 3h02
